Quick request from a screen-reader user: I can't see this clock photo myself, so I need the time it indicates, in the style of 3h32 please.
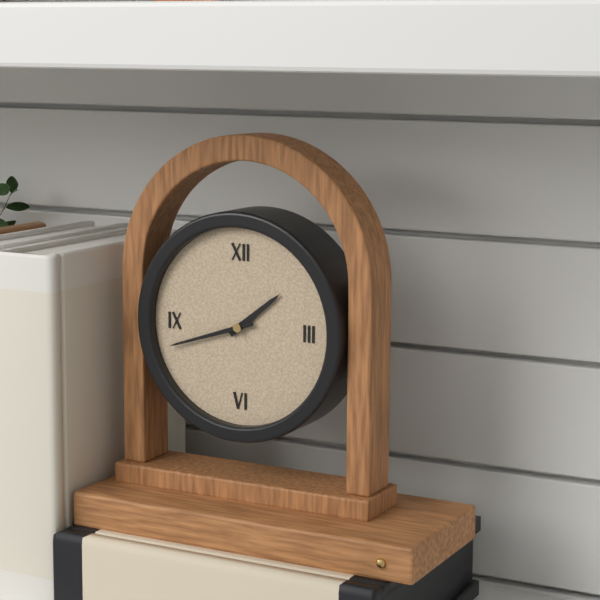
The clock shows 1h42
